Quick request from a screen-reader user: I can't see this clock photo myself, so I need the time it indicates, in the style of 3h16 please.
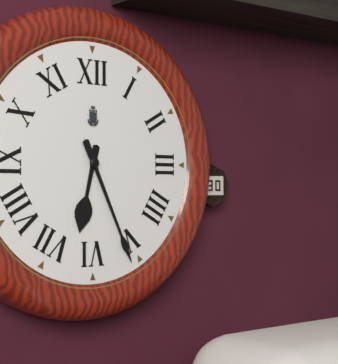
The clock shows 6h26
